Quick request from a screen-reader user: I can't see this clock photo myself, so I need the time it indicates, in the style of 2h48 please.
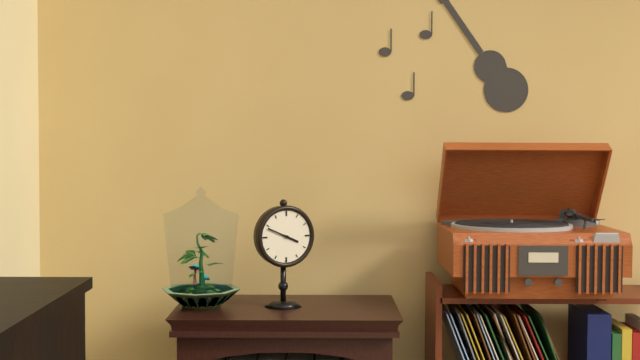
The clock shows 3h49
